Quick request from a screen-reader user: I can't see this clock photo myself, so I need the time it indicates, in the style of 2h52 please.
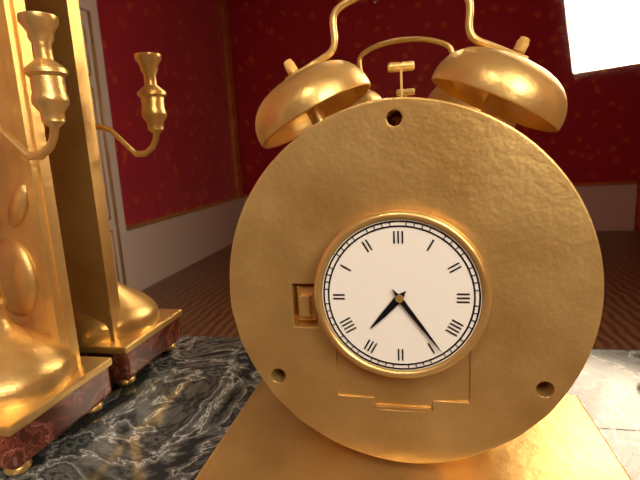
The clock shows 7h24
